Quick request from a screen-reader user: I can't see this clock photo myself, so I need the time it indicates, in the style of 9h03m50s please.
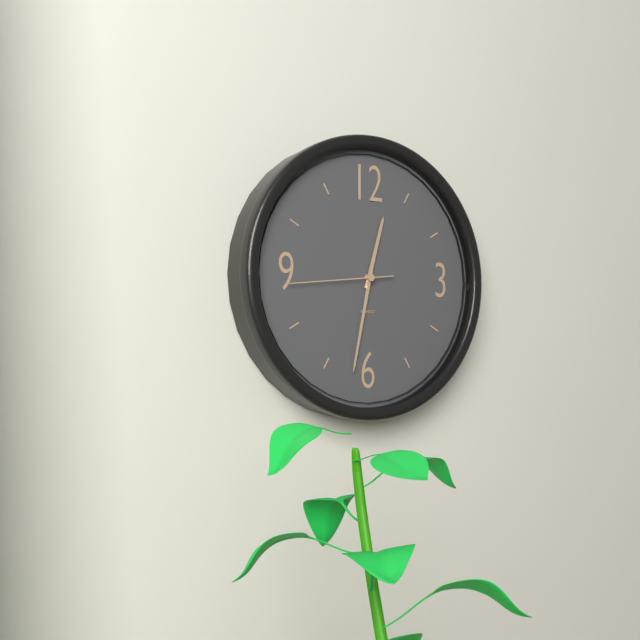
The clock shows 12h32m44s
